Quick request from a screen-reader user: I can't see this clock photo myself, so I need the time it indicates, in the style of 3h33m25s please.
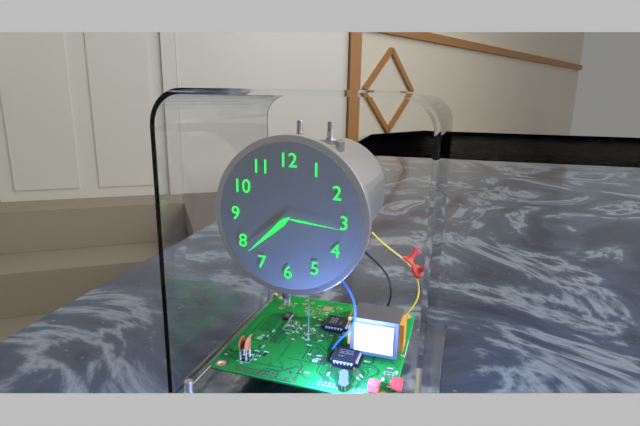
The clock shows 7h38m16s
